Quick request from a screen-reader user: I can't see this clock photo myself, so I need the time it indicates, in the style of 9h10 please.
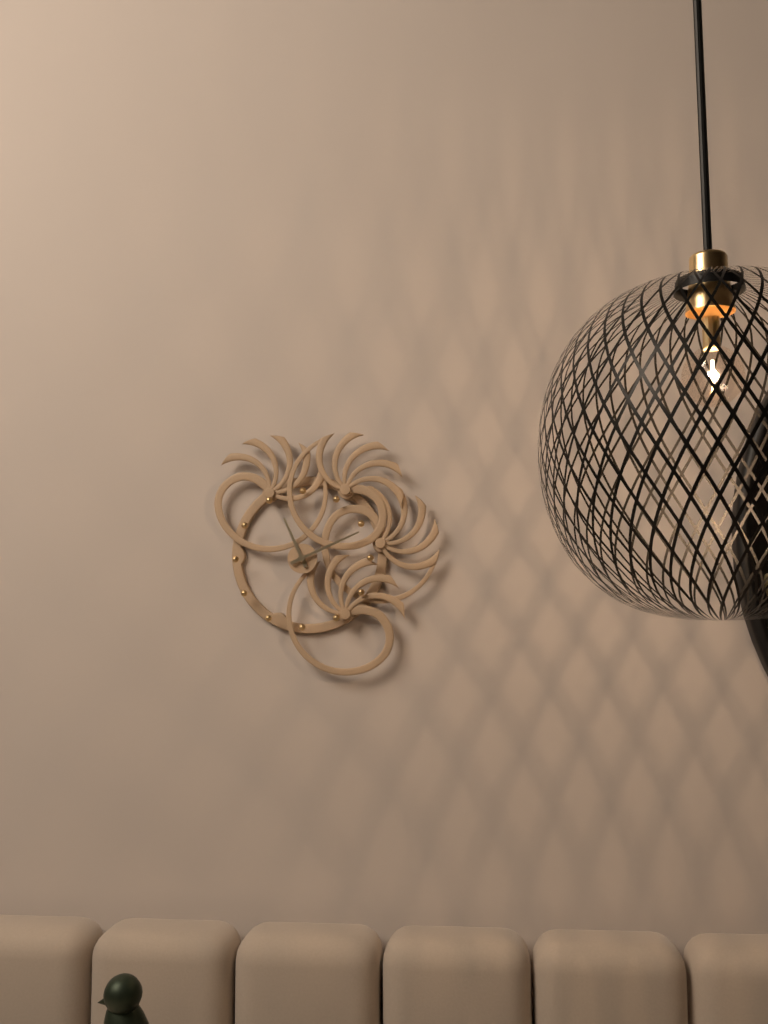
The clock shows 11h11
